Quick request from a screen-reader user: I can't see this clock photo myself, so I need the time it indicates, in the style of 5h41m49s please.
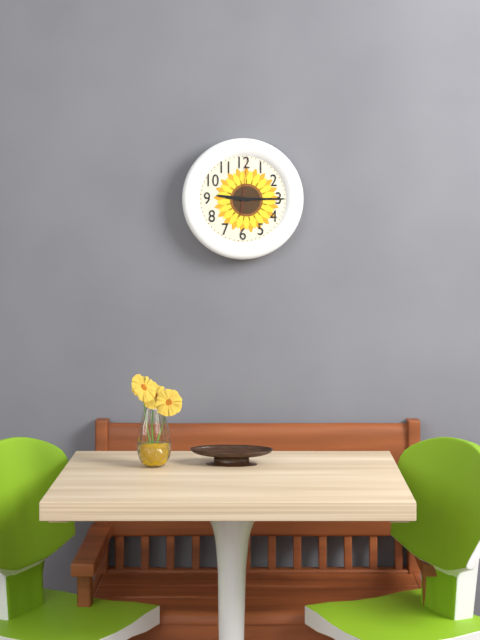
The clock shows 9h15m01s
